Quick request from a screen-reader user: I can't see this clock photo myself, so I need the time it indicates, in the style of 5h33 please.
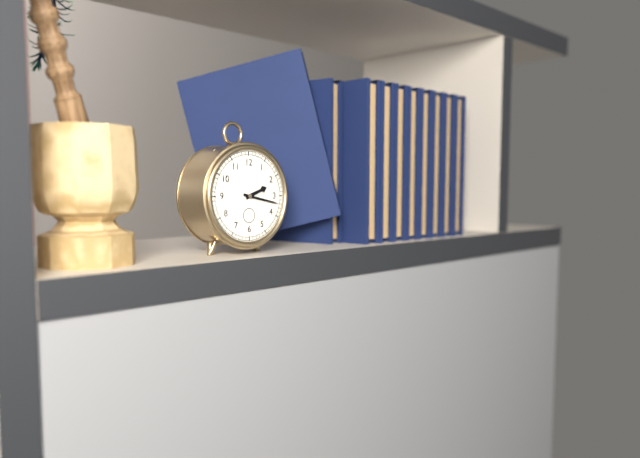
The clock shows 2h17
